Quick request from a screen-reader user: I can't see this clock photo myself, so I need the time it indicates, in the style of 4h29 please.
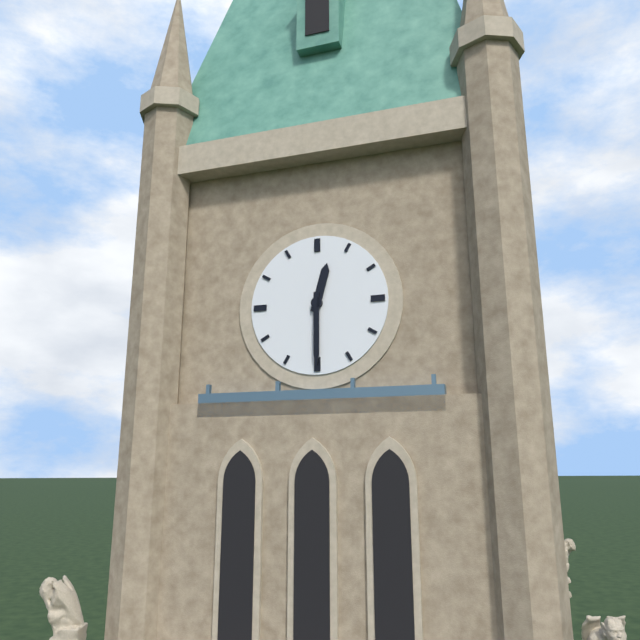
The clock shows 12h30
